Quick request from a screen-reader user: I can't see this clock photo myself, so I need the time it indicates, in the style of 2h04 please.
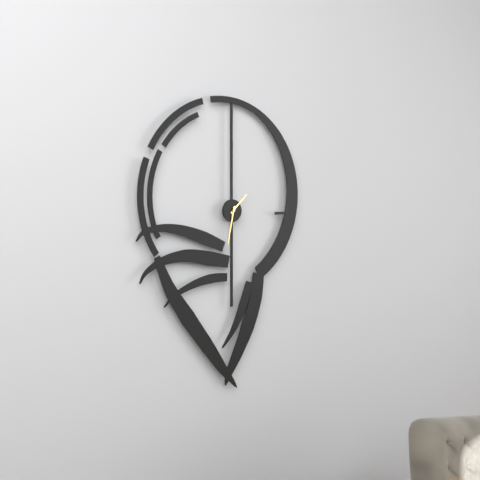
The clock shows 1h32
